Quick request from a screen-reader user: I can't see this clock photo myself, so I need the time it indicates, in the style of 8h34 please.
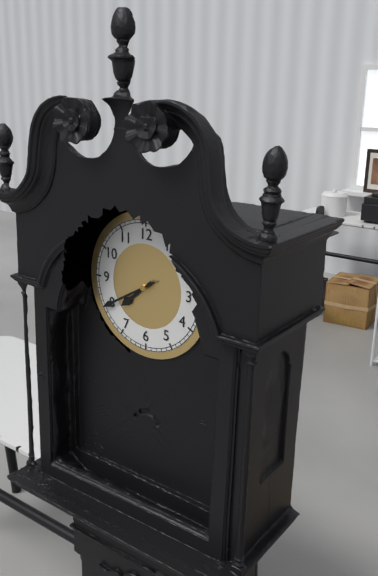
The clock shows 7h40
